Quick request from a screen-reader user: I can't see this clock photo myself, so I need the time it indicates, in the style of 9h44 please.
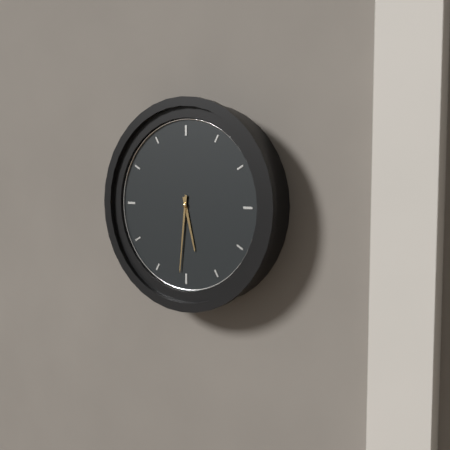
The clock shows 5h31
